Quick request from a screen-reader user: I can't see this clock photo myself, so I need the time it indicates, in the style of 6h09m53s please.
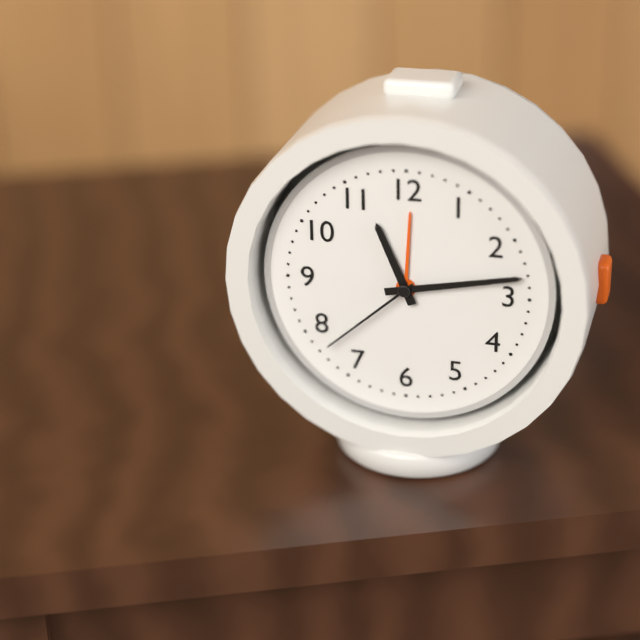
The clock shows 11h13m38s
